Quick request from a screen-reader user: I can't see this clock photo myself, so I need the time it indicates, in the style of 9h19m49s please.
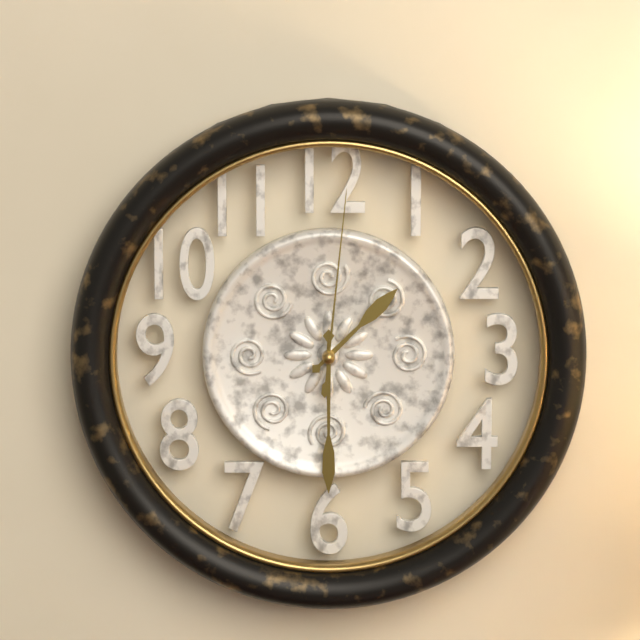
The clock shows 1h30m01s
